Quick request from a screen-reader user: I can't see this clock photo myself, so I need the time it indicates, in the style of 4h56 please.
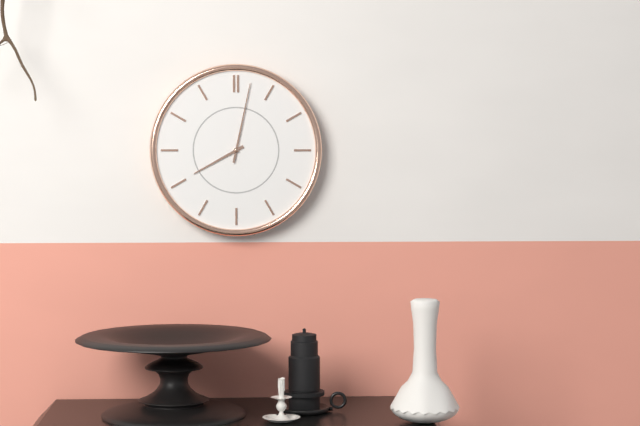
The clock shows 8h02
